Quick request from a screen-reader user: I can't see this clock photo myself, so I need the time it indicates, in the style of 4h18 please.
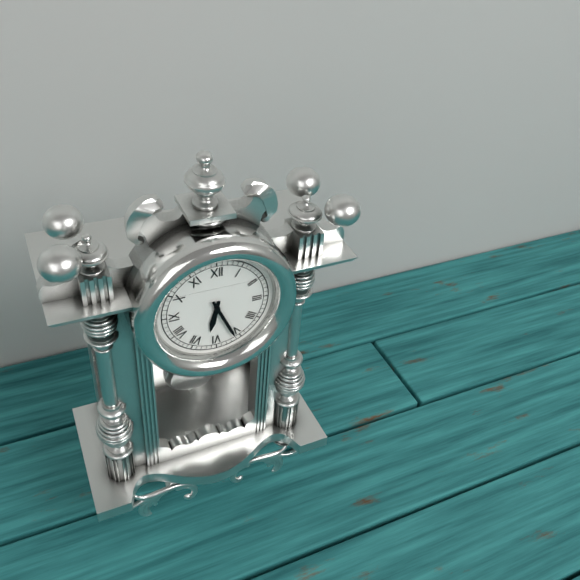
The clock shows 6h26
